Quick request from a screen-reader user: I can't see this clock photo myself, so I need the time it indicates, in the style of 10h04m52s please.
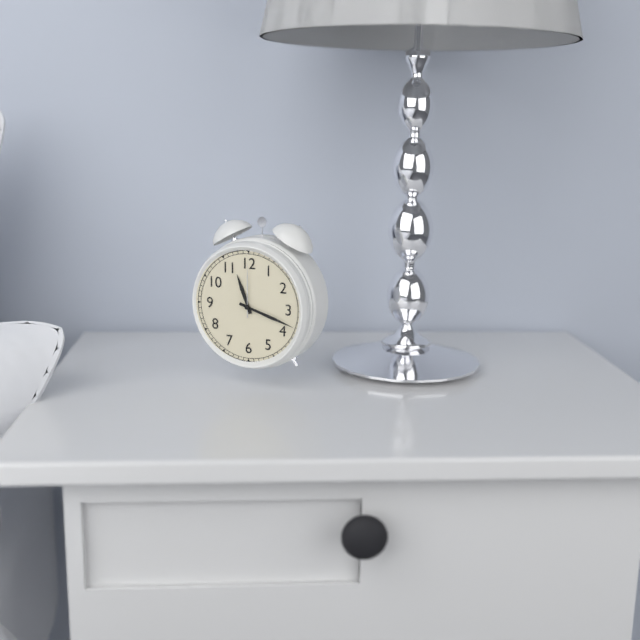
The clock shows 11h18m00s
